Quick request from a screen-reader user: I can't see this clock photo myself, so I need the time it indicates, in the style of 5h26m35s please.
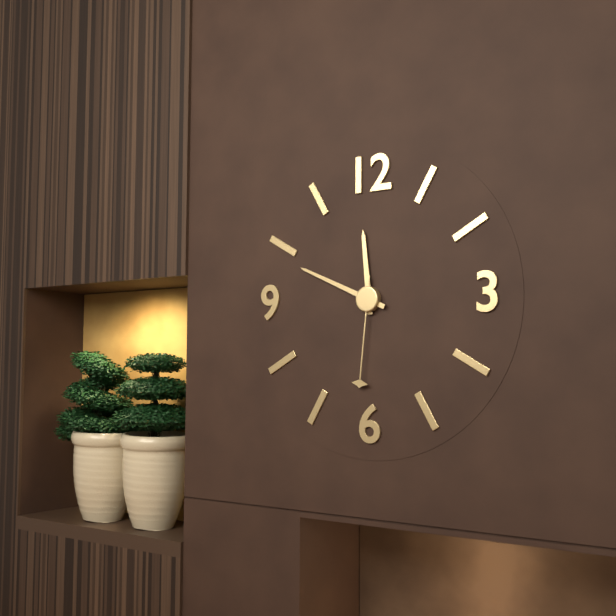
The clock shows 11h49m31s
